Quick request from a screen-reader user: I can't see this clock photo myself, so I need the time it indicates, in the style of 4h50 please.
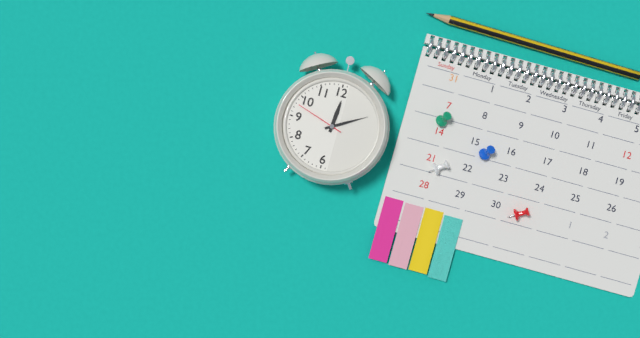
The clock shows 12h10
